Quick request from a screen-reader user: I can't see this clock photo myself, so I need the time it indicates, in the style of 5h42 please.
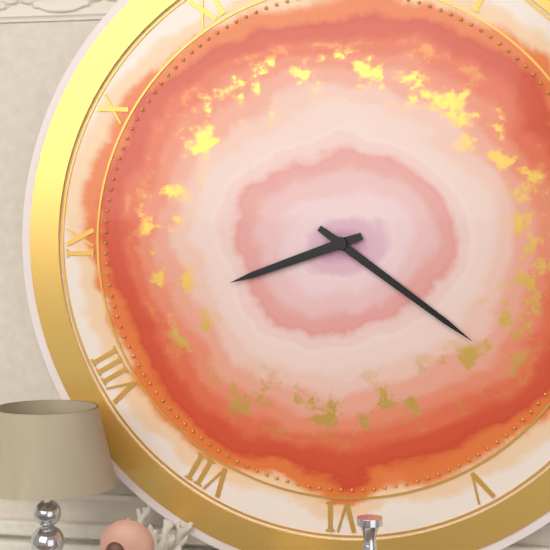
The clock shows 8h21
